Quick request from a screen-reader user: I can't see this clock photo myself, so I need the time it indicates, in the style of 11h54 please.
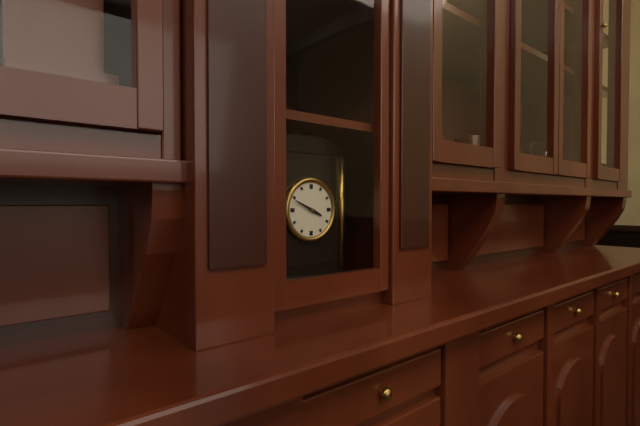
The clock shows 3h49
